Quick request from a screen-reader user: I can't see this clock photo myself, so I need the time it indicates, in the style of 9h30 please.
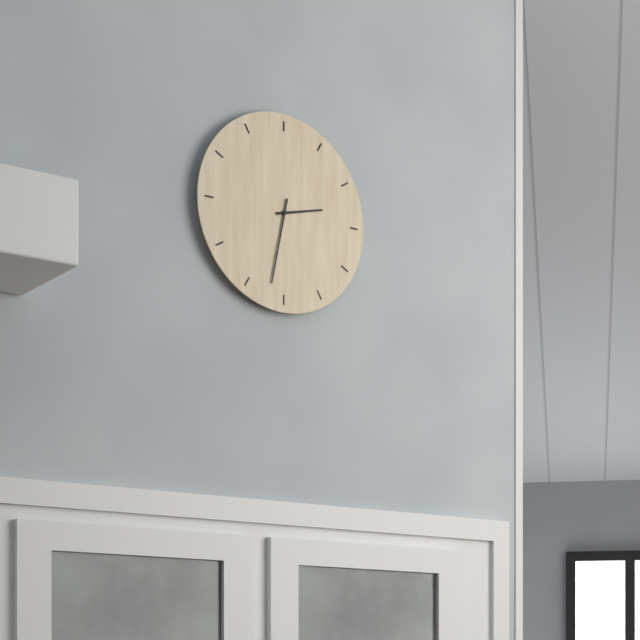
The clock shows 2h32
